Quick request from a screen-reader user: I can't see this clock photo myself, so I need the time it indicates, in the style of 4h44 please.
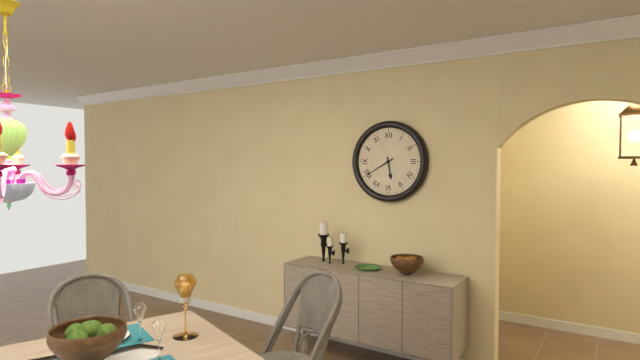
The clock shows 5h40
